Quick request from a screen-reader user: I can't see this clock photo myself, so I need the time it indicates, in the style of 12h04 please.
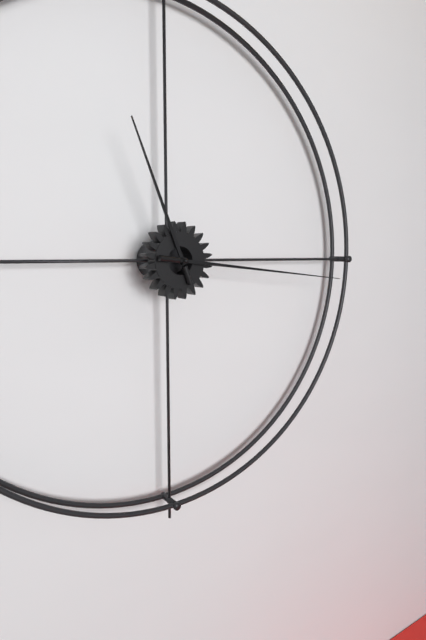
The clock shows 11h16
